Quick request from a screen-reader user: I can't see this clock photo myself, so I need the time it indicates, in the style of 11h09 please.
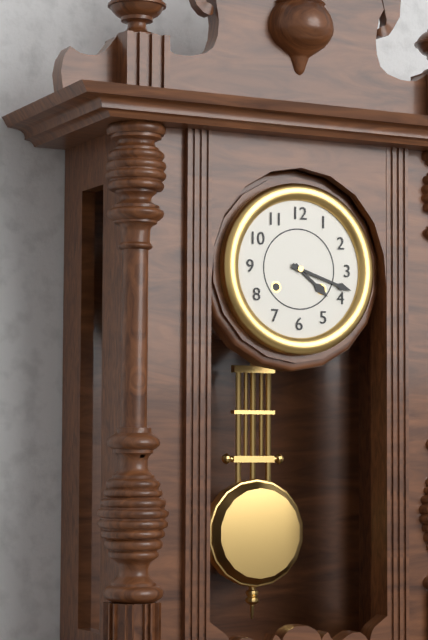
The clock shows 4h18
